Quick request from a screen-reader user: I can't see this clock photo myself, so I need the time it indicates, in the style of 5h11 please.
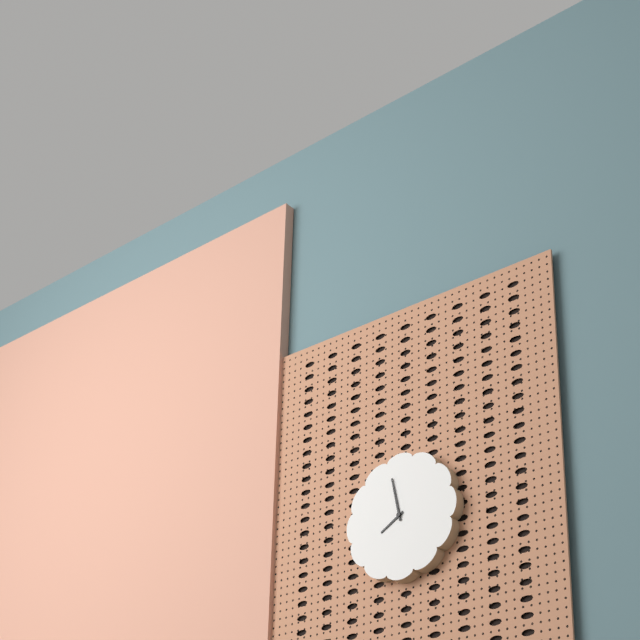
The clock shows 7h58
